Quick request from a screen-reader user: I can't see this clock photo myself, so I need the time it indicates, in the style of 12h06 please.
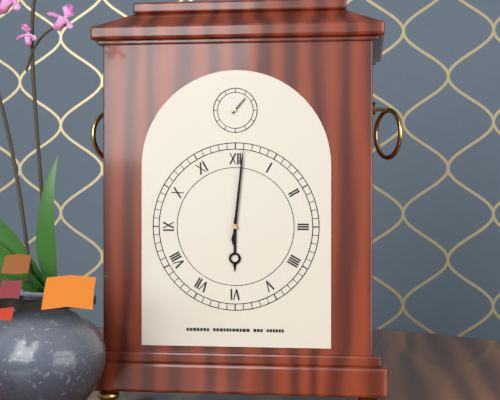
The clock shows 6h01
